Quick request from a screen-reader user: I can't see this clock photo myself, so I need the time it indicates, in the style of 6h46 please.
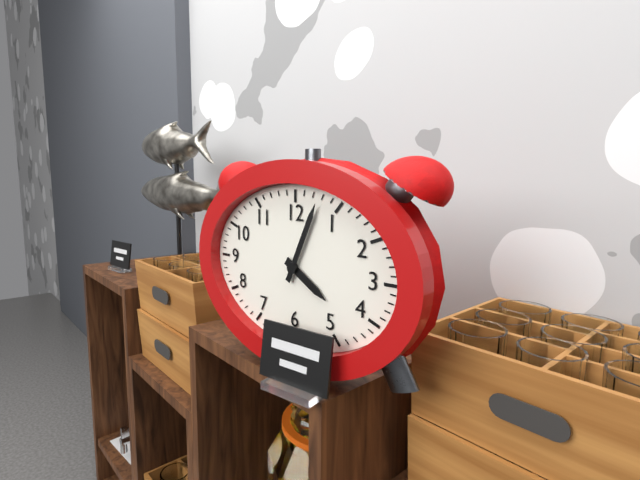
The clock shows 4h04
